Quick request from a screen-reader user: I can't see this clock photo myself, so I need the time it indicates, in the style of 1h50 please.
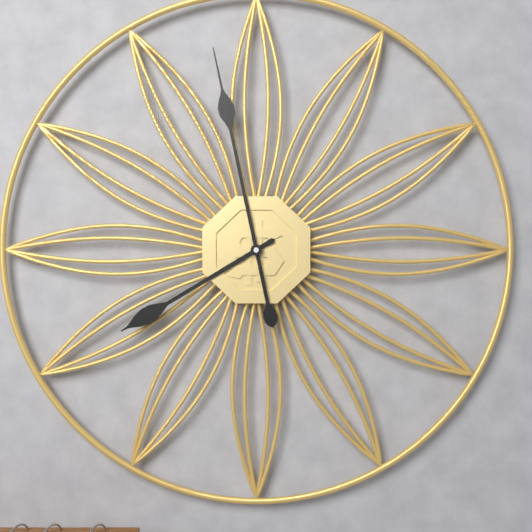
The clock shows 7h58
